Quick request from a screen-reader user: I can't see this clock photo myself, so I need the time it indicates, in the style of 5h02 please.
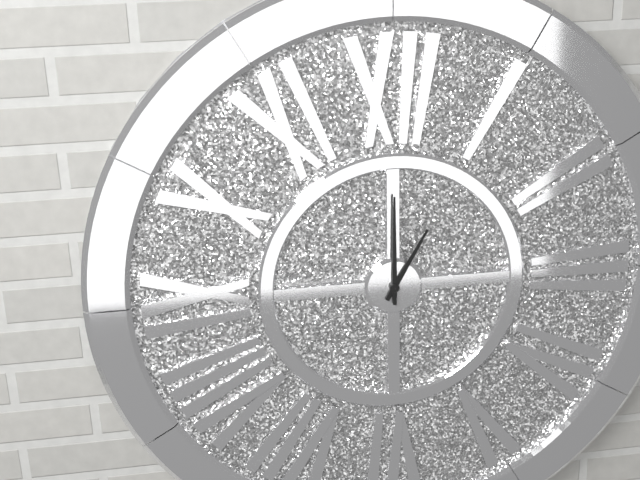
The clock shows 1h00
